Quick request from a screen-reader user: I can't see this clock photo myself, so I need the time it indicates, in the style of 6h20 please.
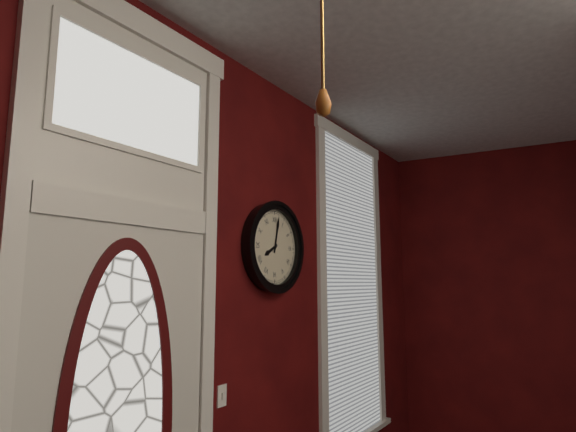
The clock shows 8h02
